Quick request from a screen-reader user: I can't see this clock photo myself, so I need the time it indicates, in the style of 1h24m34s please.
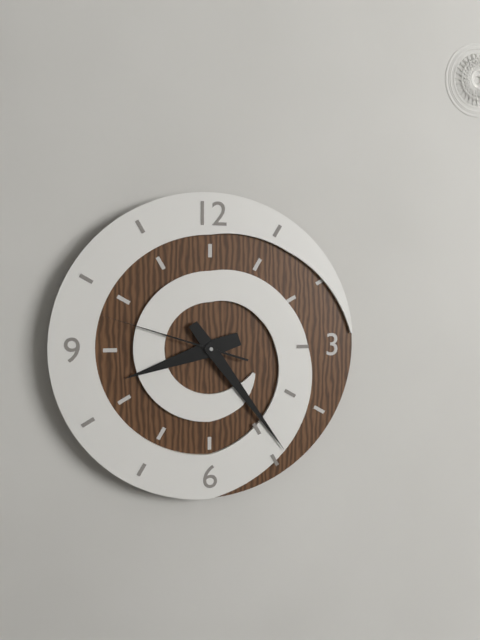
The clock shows 8h24m48s
